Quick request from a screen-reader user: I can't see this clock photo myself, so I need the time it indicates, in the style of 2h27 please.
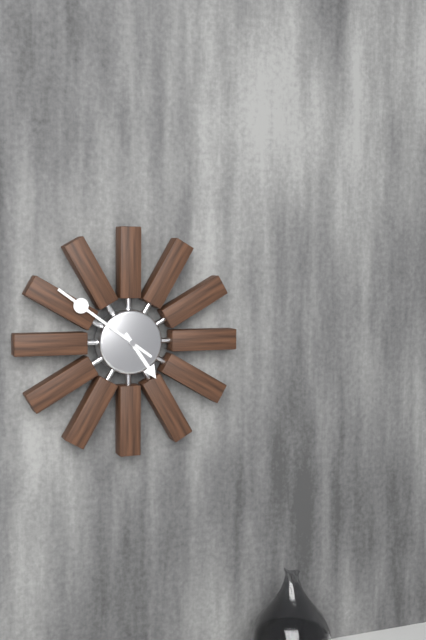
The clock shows 4h51
